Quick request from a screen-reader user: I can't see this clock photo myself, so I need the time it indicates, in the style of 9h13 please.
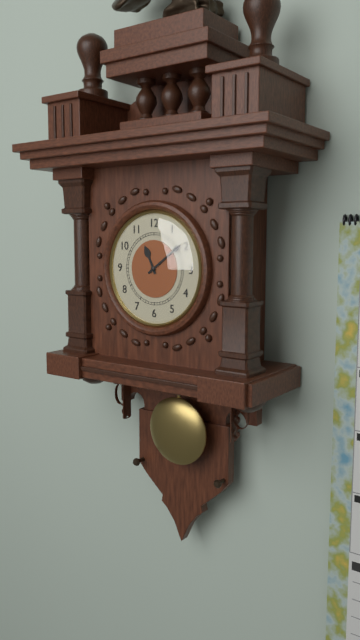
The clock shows 11h09
